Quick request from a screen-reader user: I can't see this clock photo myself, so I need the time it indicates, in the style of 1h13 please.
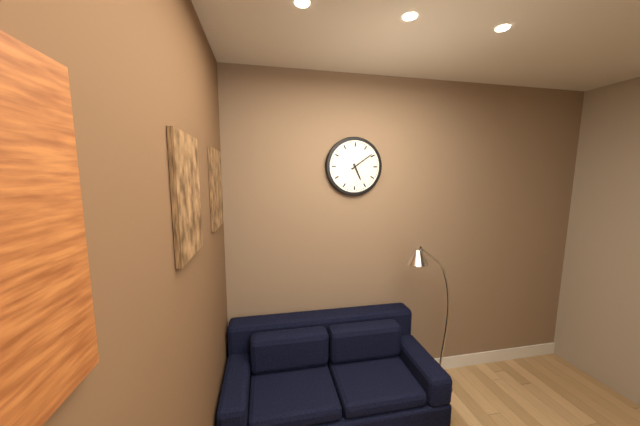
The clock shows 5h09
